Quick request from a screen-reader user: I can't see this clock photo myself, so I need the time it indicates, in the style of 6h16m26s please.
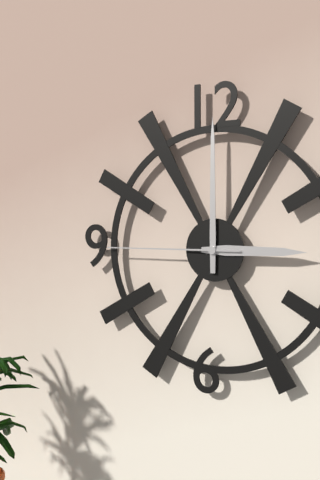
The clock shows 3h00m45s
